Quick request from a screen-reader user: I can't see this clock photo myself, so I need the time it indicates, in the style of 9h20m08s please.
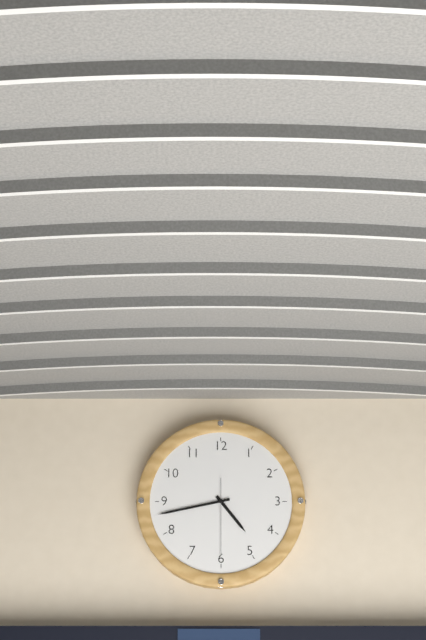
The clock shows 4h43m30s
